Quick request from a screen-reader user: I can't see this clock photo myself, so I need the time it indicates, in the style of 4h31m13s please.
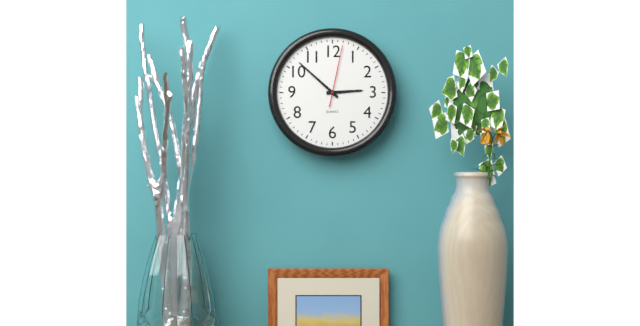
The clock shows 2h52m02s
